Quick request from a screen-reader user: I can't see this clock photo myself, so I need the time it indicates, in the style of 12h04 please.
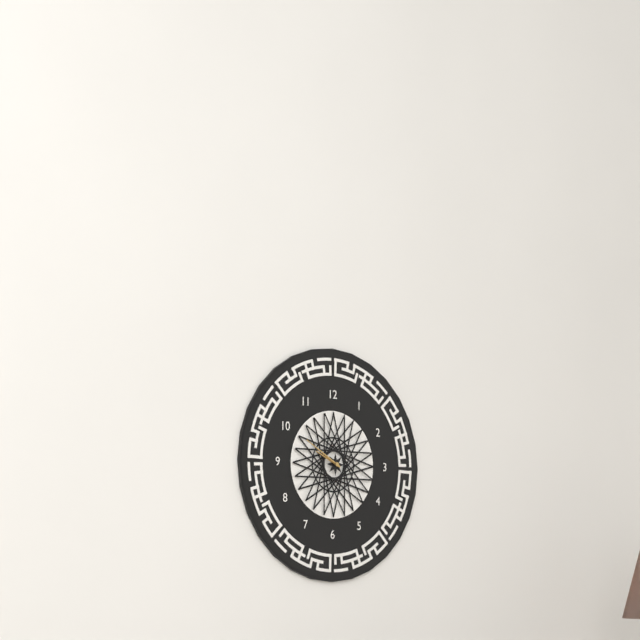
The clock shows 9h50
